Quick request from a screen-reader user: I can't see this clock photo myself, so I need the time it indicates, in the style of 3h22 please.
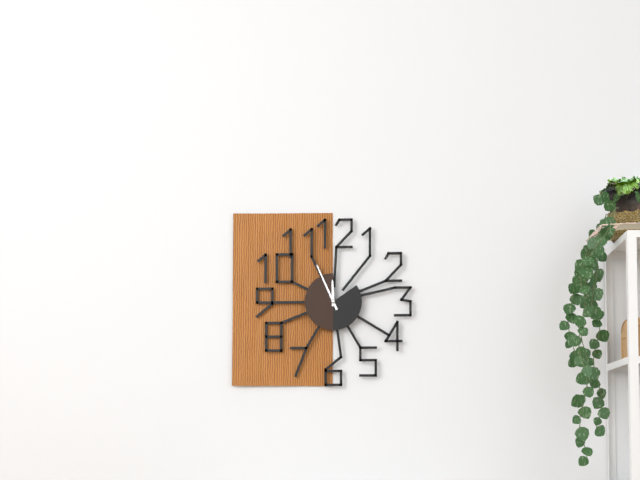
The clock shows 11h56
